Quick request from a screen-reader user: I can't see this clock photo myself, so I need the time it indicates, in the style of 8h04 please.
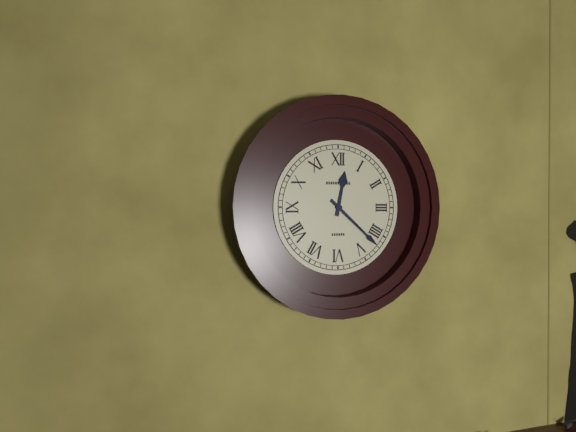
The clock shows 12h22
